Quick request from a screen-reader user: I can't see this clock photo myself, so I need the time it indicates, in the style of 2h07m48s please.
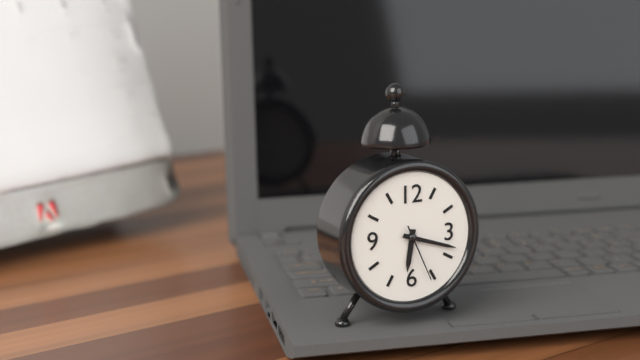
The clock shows 6h18m26s
